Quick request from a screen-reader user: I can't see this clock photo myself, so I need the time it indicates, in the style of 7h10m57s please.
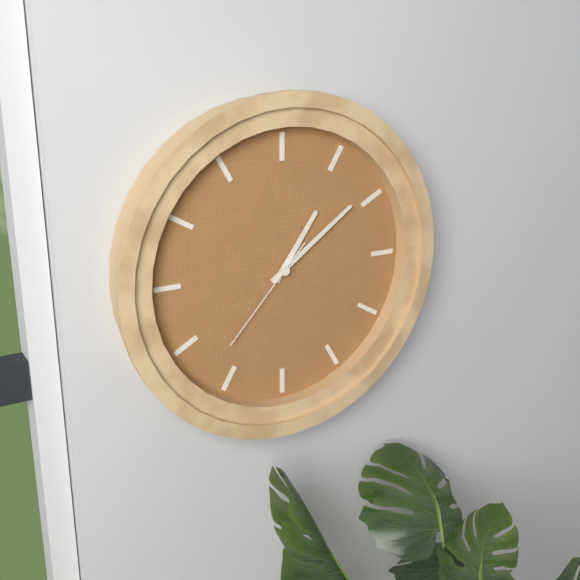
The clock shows 1h09m37s
